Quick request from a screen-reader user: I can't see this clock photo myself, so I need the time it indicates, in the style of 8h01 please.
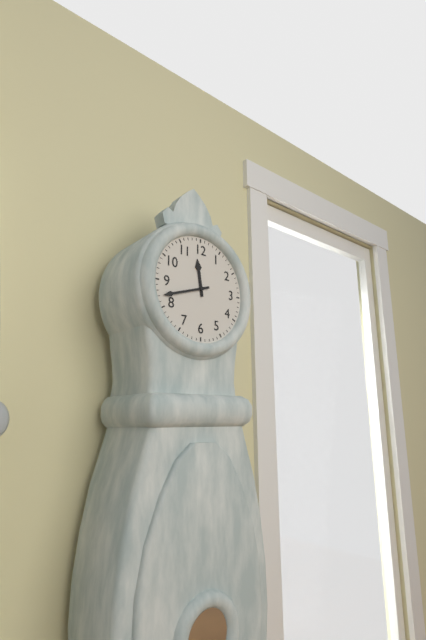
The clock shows 11h42
